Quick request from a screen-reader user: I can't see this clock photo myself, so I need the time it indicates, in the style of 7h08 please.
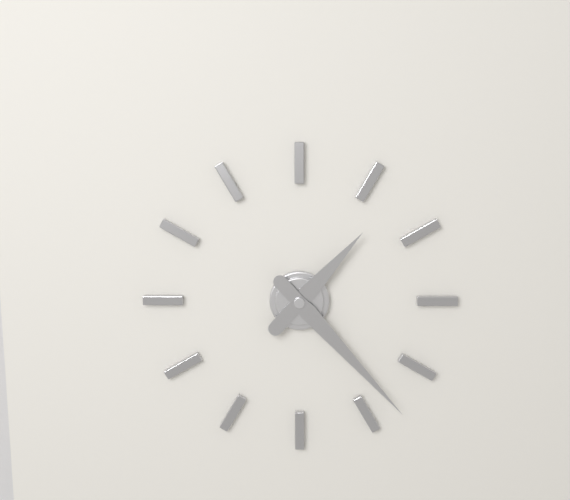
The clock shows 1h23
